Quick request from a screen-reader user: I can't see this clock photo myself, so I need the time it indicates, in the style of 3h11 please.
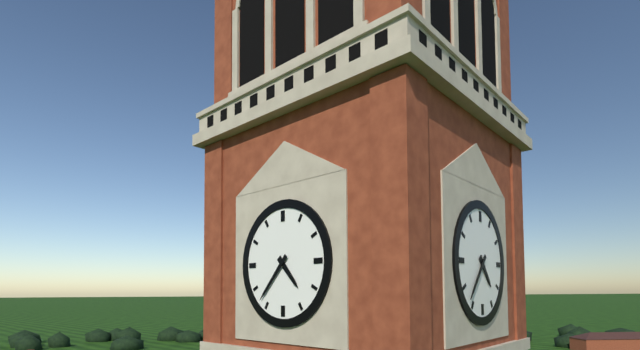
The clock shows 4h37
